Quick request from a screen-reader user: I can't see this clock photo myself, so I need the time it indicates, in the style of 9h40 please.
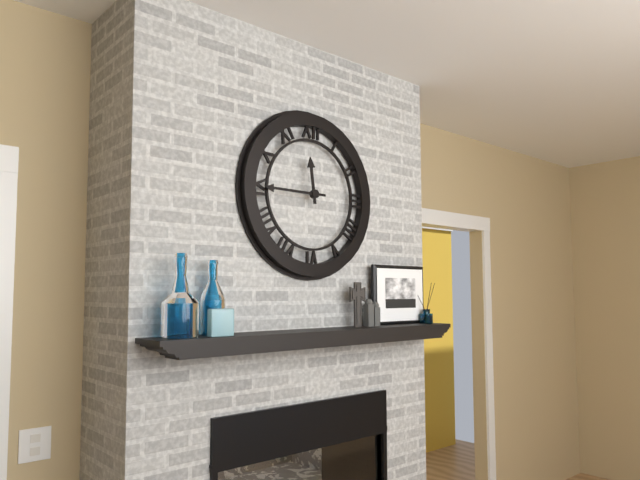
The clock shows 11h45
